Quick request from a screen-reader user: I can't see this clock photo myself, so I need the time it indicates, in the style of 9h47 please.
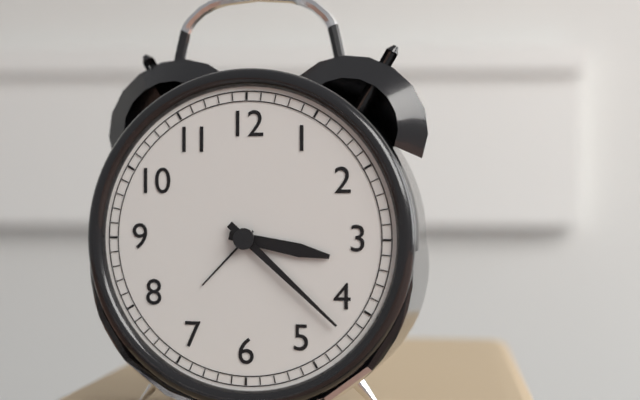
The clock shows 3h22
